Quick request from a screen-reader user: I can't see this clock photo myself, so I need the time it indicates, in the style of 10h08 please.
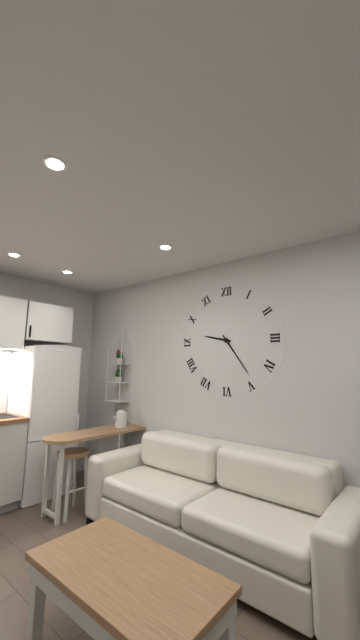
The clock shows 9h24
